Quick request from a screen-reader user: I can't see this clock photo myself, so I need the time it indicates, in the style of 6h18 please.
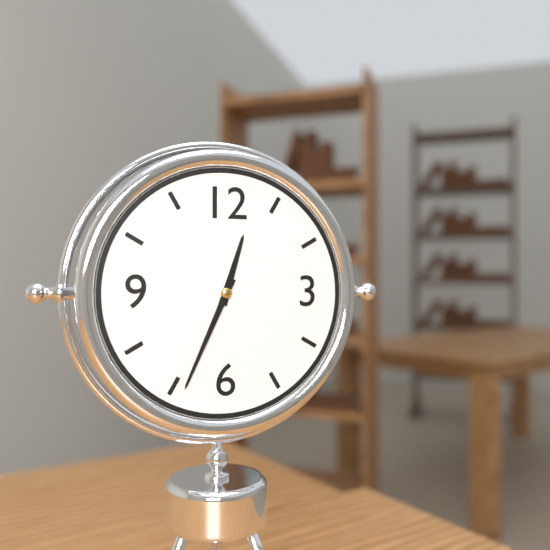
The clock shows 12h34
